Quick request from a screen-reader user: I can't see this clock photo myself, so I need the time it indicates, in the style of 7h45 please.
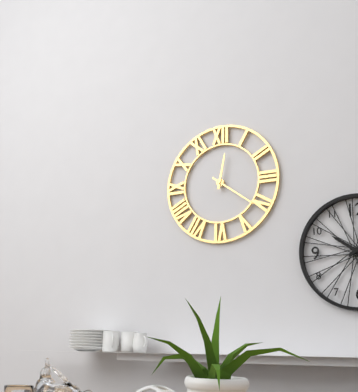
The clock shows 12h21
